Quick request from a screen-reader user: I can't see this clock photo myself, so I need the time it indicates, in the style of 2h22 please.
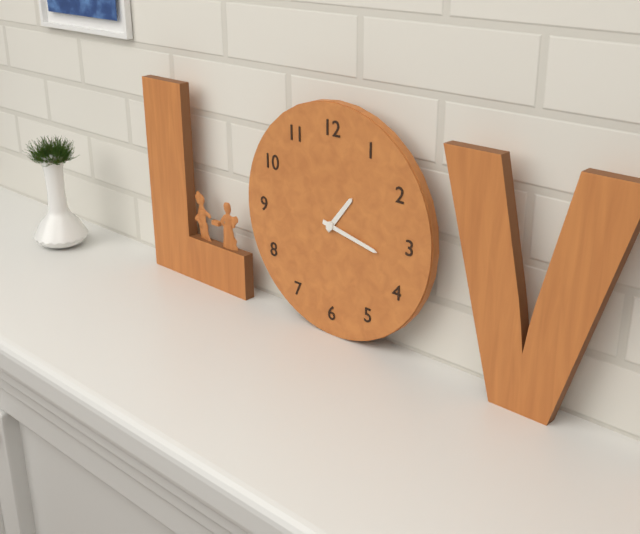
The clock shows 1h17
